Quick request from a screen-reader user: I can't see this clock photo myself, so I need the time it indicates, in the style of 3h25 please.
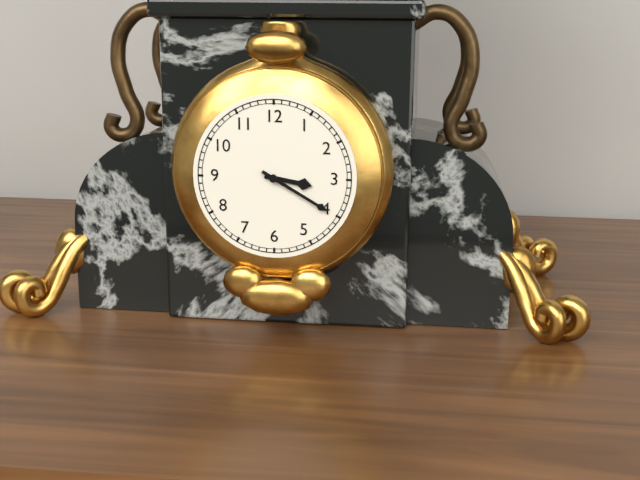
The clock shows 3h20
